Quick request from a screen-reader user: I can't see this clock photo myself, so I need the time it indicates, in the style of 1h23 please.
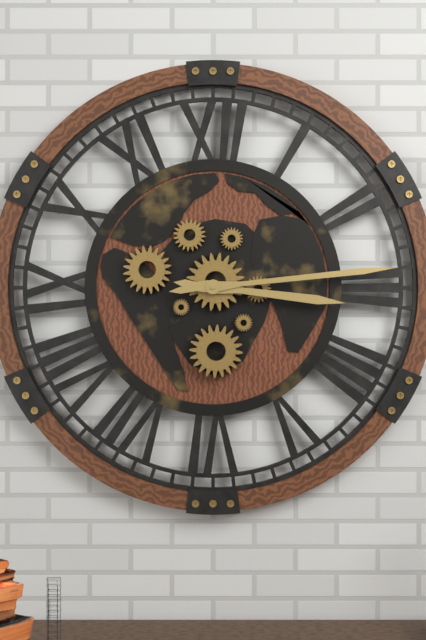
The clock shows 3h14
